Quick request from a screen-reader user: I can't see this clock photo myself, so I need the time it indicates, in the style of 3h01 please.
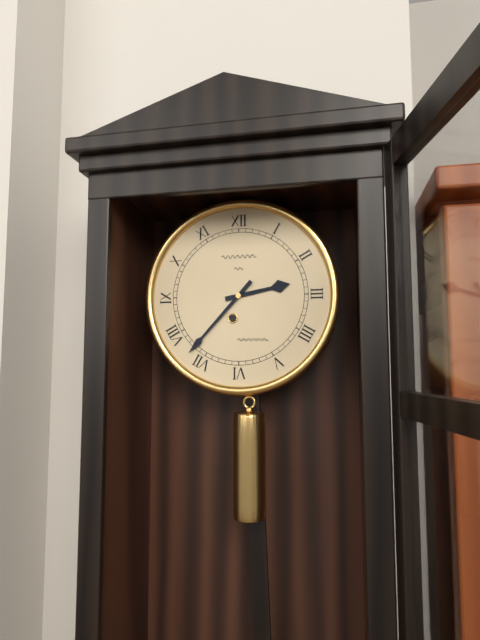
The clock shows 2h37
